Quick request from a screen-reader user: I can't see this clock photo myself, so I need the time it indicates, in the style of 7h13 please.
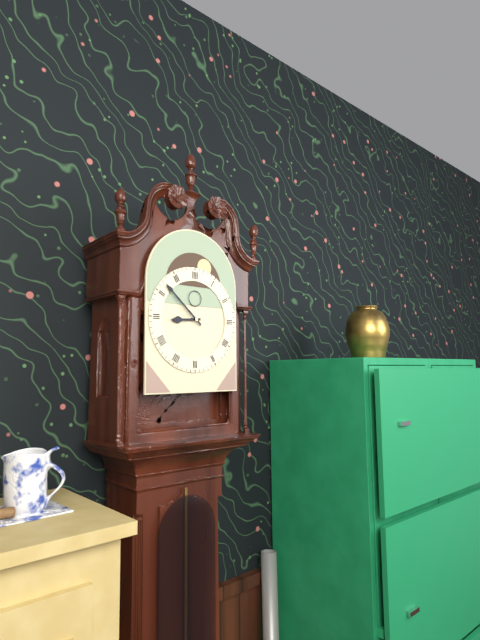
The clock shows 8h52
